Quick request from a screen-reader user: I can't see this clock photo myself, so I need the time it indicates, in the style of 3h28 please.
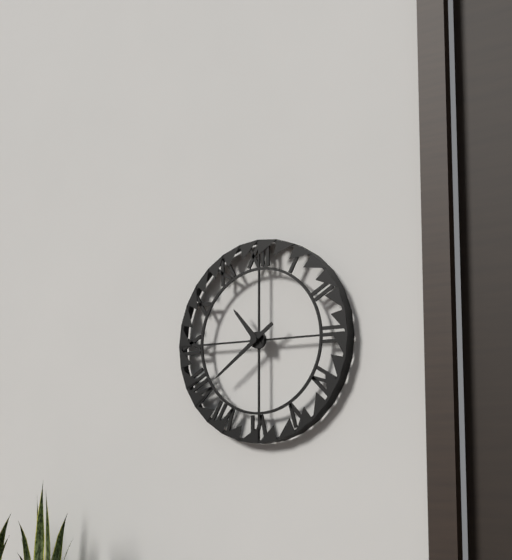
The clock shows 10h39
